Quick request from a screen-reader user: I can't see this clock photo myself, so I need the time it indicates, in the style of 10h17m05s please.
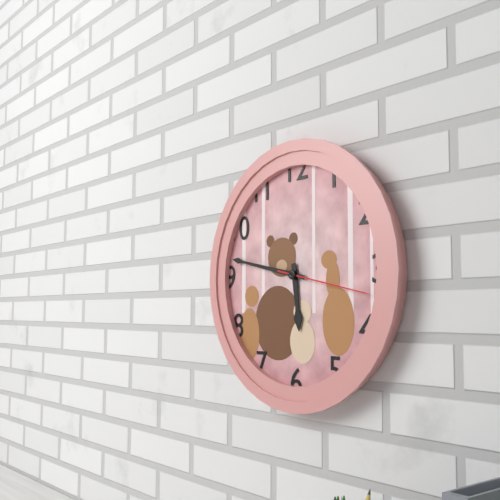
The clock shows 5h47m17s
